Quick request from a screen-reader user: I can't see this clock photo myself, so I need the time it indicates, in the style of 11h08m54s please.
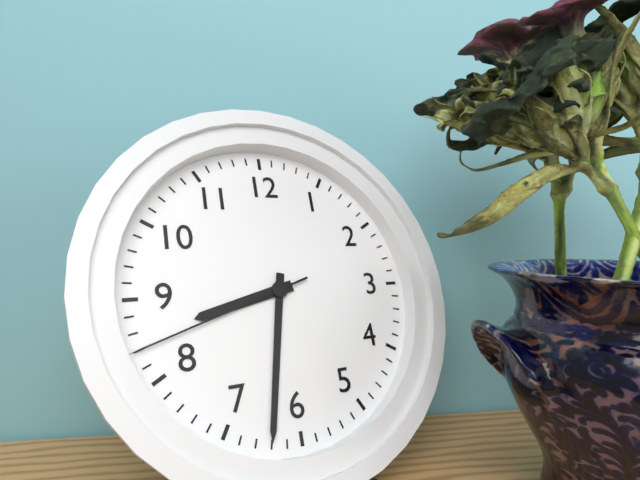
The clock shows 8h32m42s
